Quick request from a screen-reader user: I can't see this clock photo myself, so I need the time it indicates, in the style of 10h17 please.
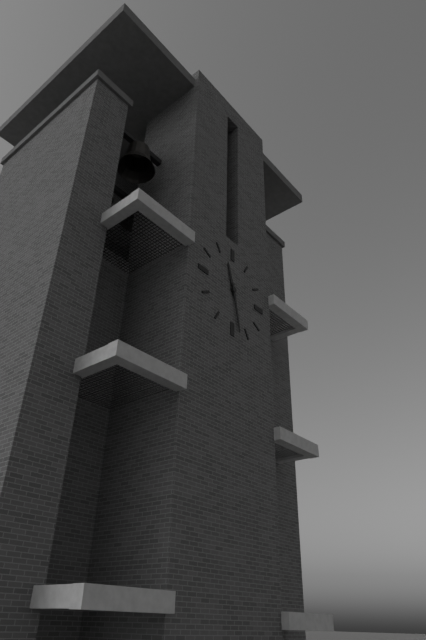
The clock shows 11h28
